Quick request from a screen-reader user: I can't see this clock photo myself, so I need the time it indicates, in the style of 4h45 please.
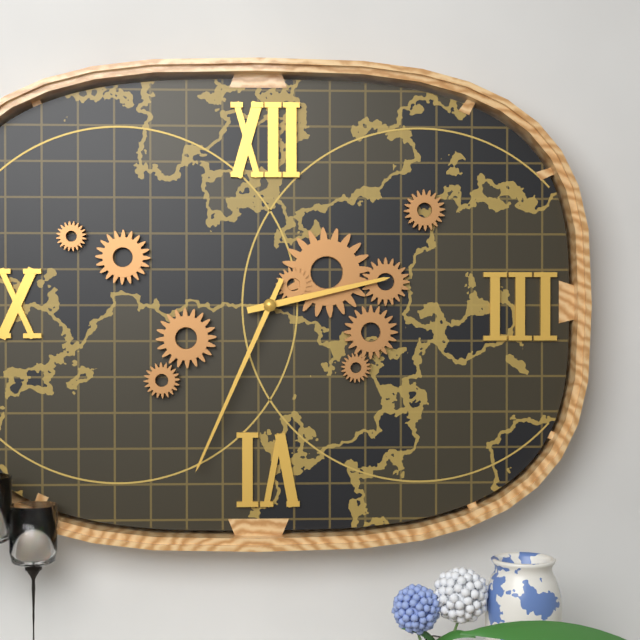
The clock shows 2h34
